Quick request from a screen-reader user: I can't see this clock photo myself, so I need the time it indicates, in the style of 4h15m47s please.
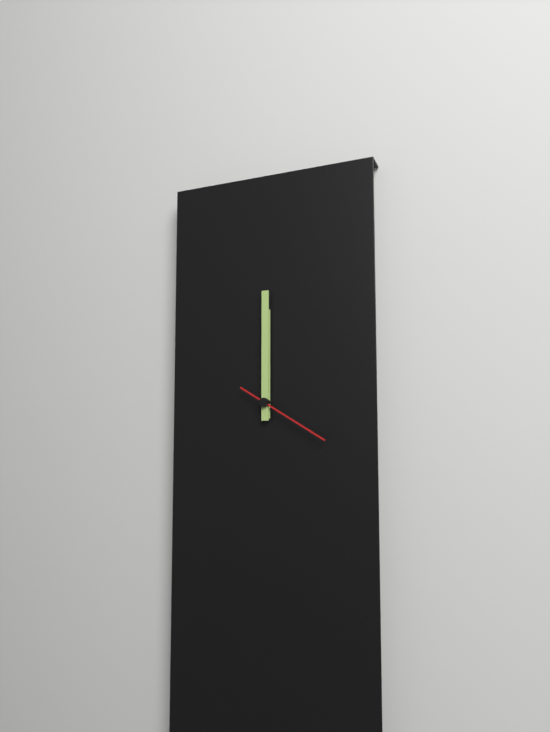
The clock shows 12h00m20s
